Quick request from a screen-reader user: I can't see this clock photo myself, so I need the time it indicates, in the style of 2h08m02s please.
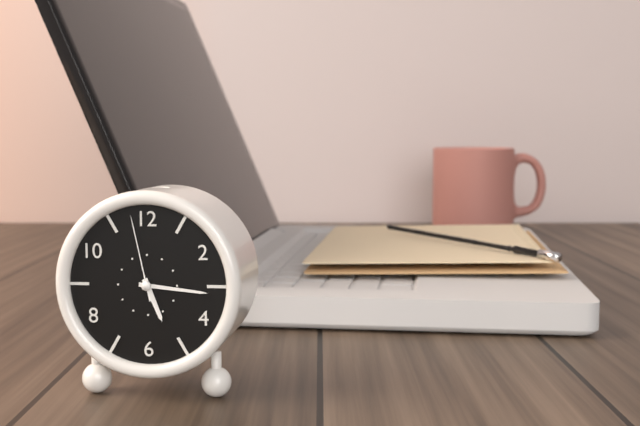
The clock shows 5h16m58s
